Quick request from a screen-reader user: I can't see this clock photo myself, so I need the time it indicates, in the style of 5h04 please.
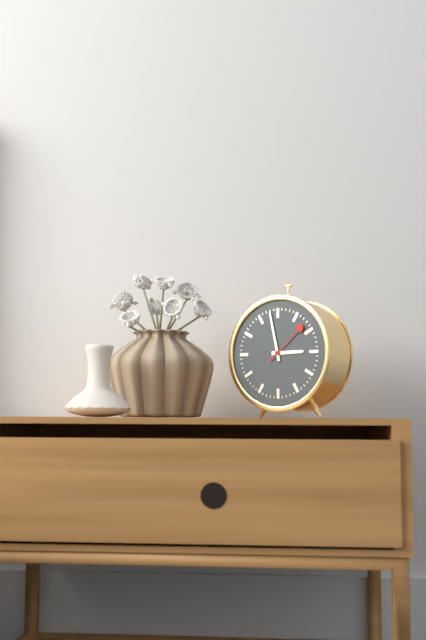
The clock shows 2h58
